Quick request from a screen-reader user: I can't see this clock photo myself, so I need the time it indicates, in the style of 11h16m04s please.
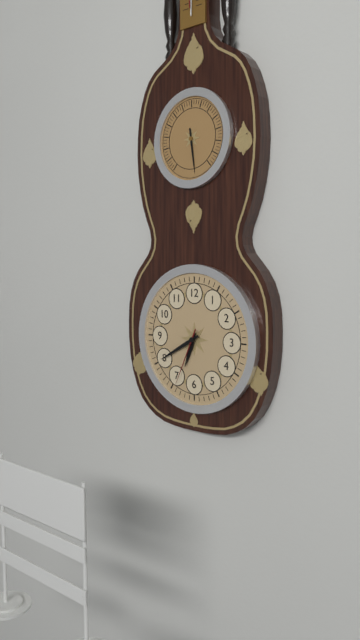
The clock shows 6h40m34s
